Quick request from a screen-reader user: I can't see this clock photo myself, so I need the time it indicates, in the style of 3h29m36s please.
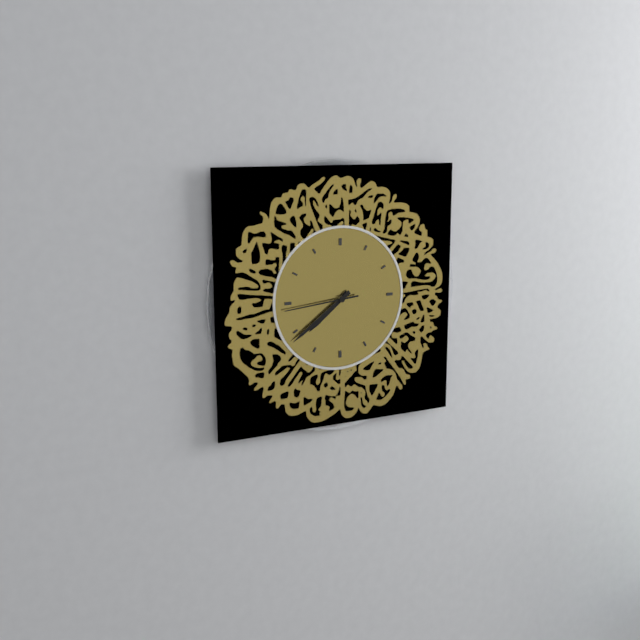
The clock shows 7h39m44s
